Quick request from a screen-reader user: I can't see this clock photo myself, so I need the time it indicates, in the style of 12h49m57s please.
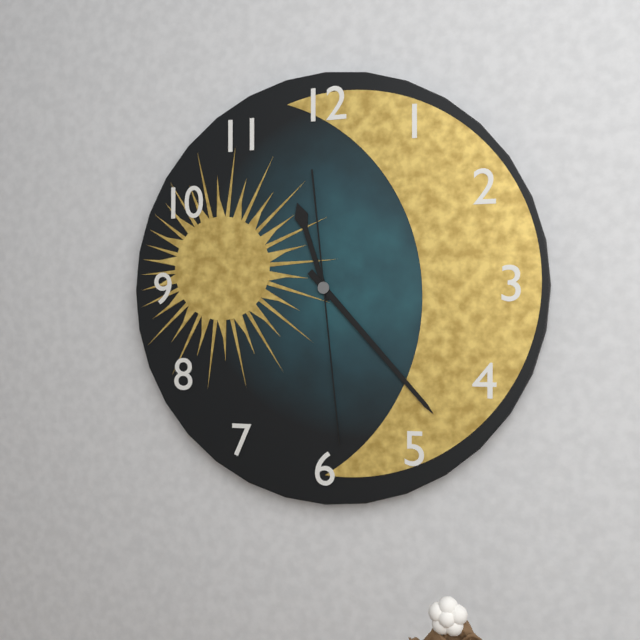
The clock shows 11h23m29s
